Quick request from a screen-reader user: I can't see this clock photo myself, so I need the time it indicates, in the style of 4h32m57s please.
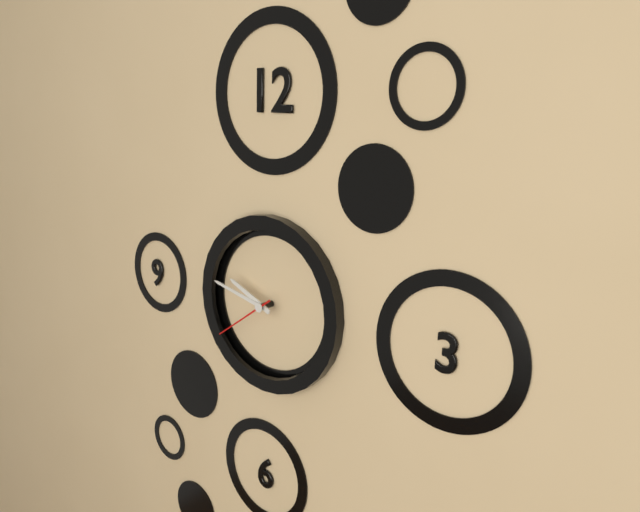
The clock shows 9h47m39s
